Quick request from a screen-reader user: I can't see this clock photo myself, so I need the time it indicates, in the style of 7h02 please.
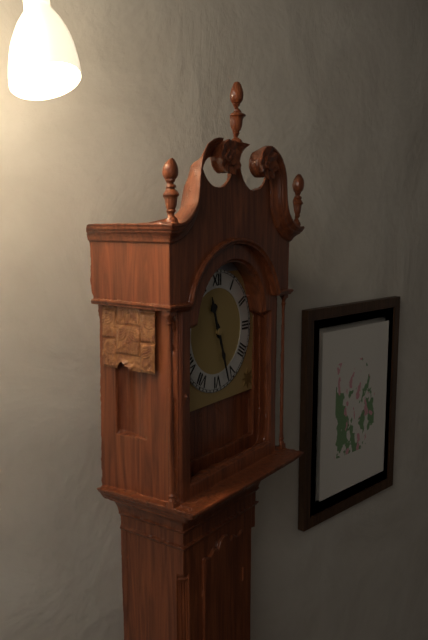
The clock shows 11h27
